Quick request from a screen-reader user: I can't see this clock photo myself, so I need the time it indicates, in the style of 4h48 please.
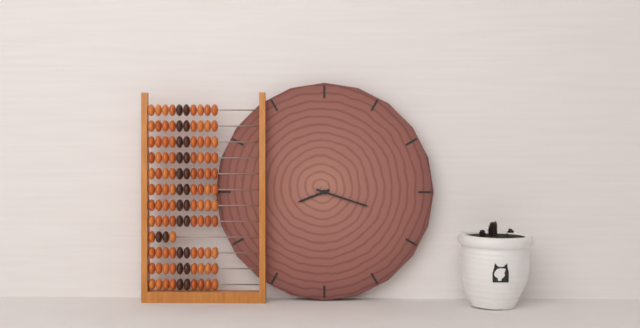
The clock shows 8h18
